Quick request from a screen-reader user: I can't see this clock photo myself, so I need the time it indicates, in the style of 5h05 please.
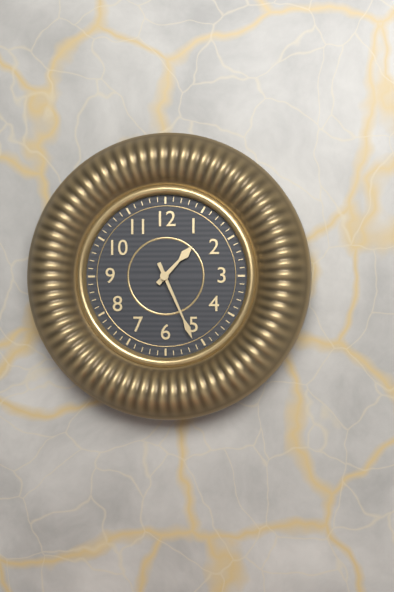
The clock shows 1h26
